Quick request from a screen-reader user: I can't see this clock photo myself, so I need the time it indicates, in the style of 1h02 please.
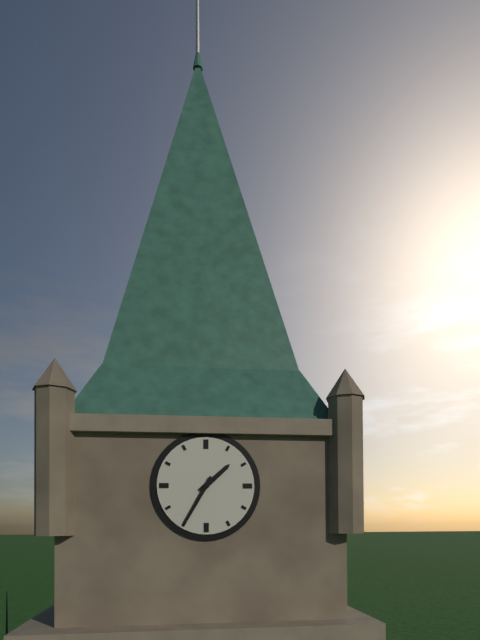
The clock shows 1h35
